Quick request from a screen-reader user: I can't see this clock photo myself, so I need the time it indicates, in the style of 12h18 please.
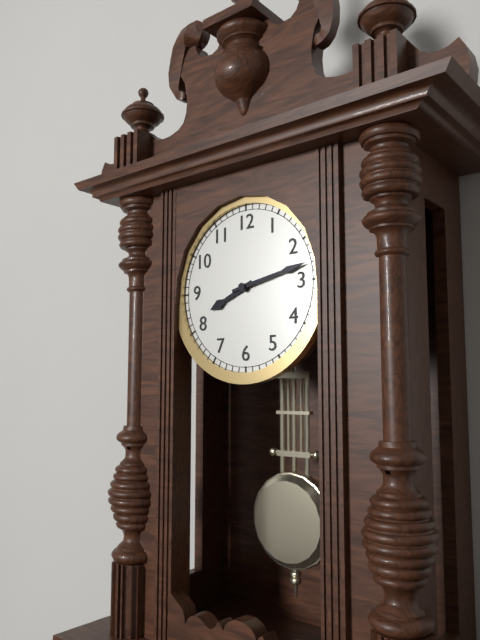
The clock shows 8h13
